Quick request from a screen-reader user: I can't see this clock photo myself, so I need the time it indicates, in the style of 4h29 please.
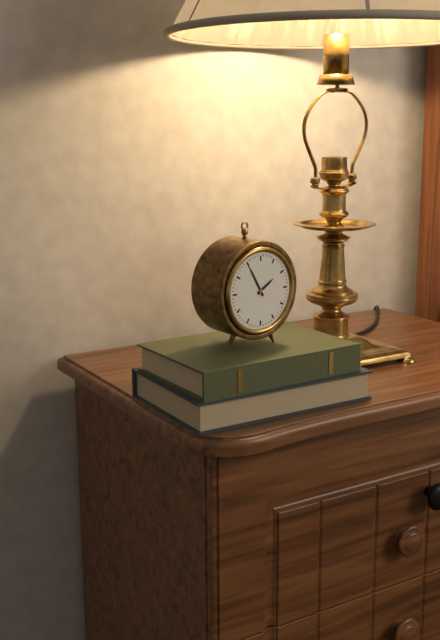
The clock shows 1h55
